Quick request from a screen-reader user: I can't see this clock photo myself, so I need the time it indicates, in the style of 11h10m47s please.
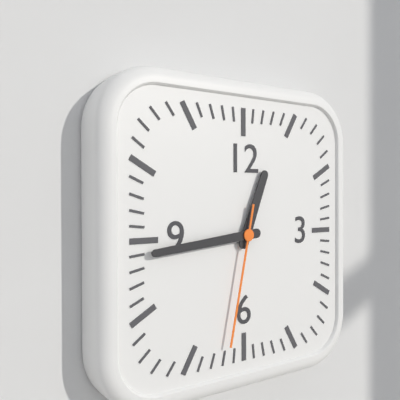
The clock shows 12h44m32s
